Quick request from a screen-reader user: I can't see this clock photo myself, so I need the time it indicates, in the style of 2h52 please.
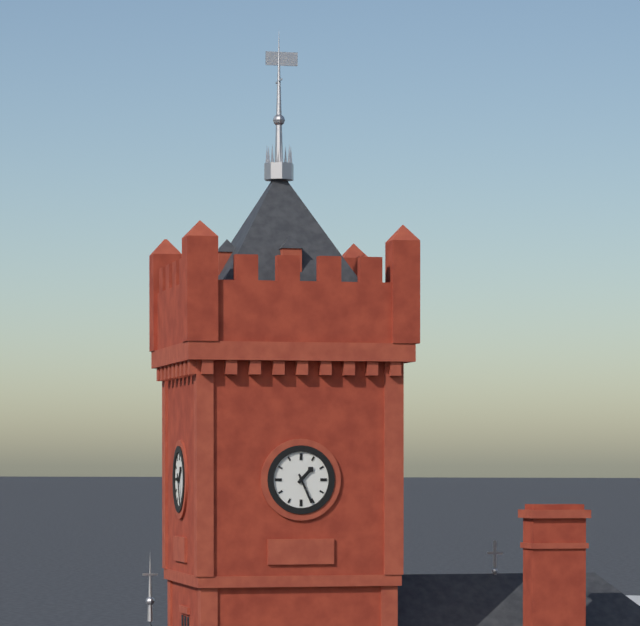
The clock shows 1h26
